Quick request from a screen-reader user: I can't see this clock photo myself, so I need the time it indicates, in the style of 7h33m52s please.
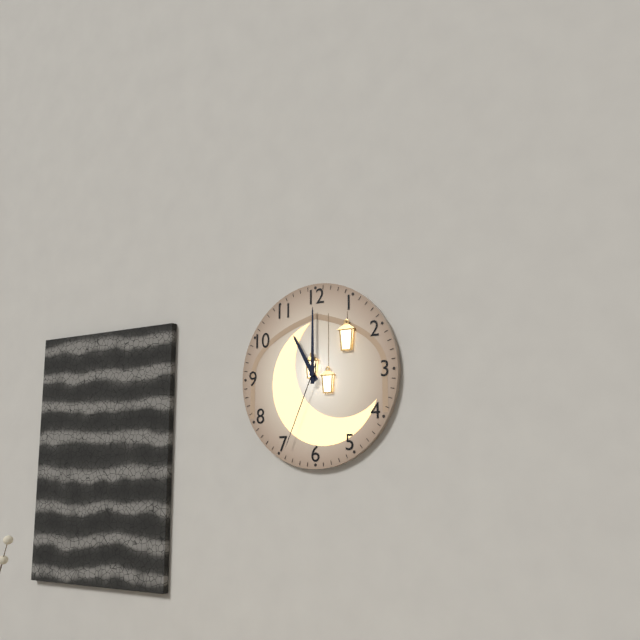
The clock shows 11h00m34s
